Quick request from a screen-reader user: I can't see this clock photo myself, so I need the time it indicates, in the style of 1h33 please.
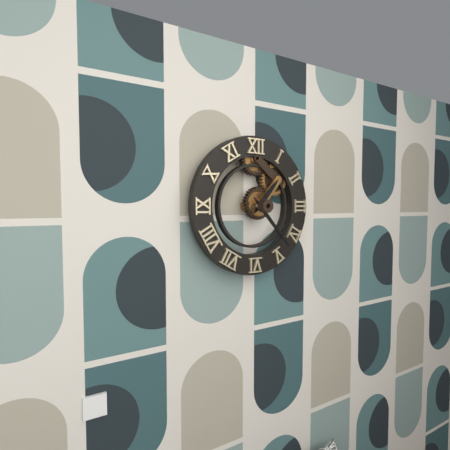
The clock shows 1h23
